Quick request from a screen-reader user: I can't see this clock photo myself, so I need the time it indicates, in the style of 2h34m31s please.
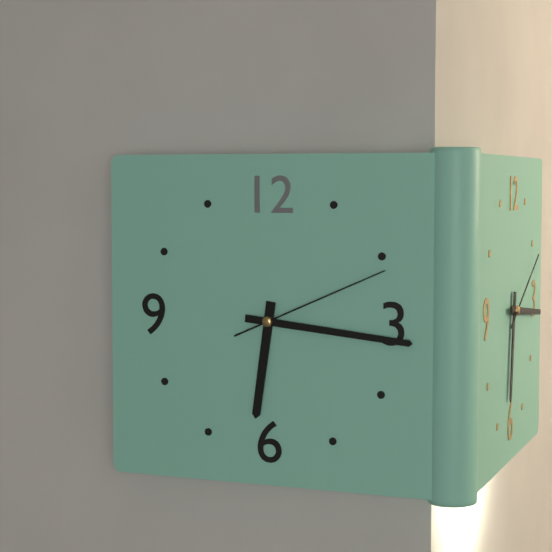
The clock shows 6h16m11s
